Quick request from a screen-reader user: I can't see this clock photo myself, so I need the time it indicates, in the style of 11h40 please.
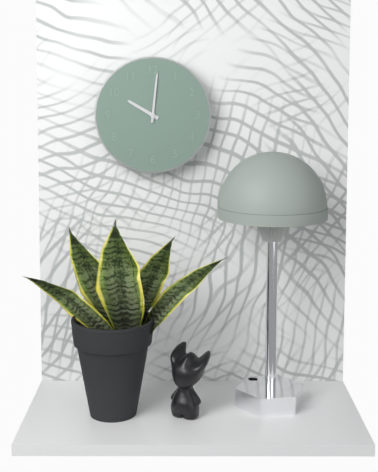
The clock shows 10h01
